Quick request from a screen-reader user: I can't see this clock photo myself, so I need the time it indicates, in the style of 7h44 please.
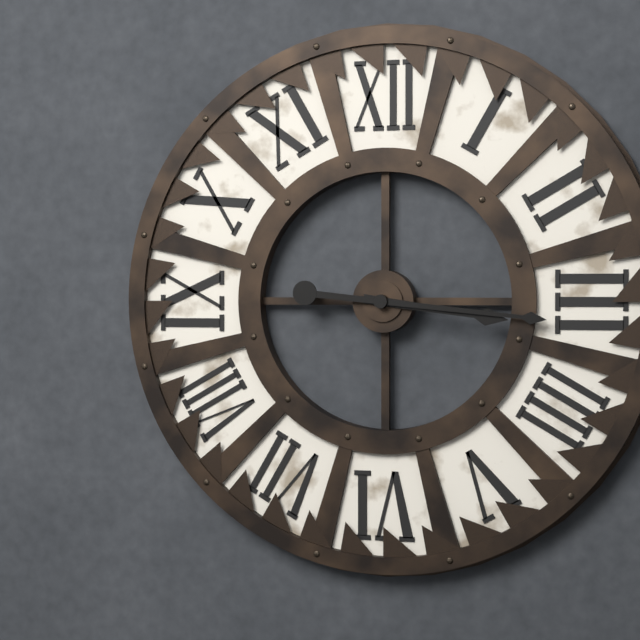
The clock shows 3h16
